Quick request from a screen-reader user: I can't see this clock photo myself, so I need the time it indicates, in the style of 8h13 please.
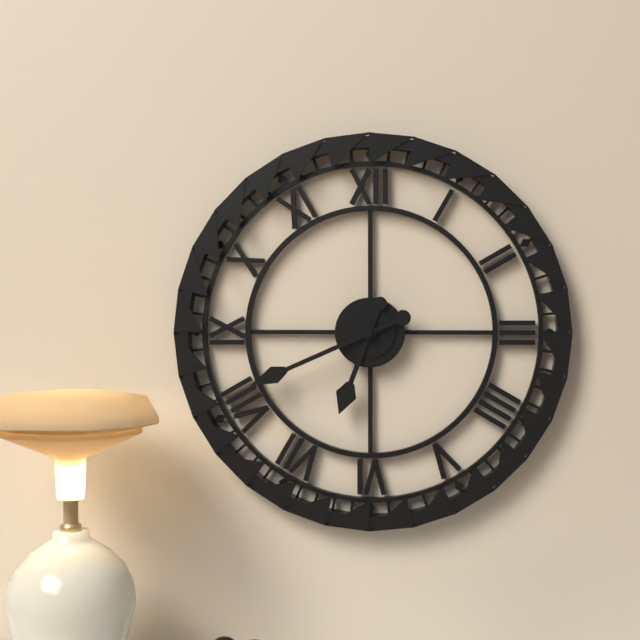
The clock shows 6h41
